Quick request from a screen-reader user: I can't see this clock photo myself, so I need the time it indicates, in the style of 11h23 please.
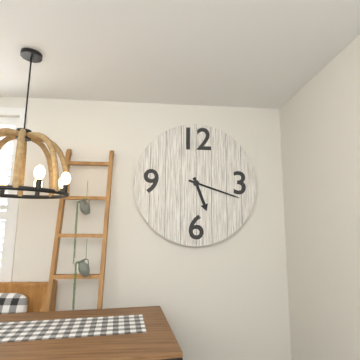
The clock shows 5h18
